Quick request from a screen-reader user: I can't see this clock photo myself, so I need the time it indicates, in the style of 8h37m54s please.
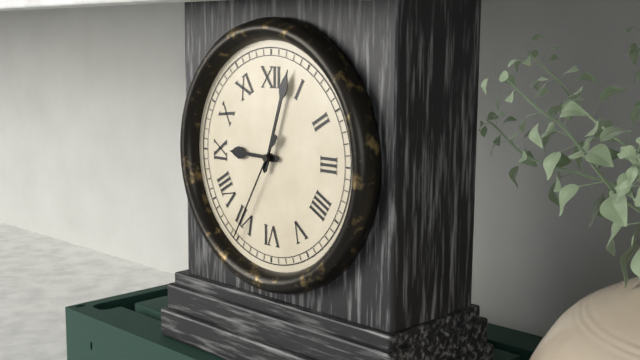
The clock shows 9h03m35s
